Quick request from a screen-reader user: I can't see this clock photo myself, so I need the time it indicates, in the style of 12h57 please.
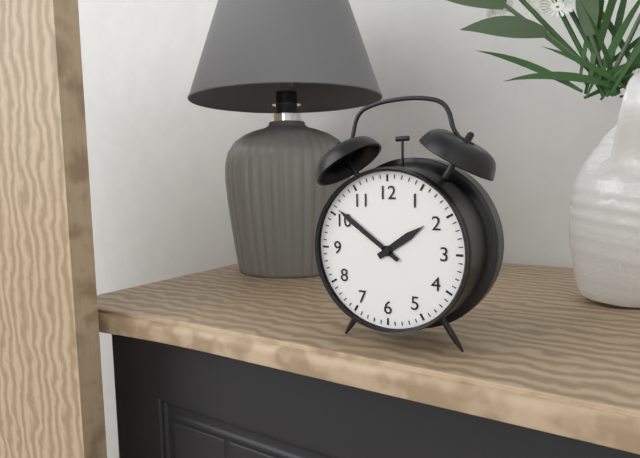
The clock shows 1h51
